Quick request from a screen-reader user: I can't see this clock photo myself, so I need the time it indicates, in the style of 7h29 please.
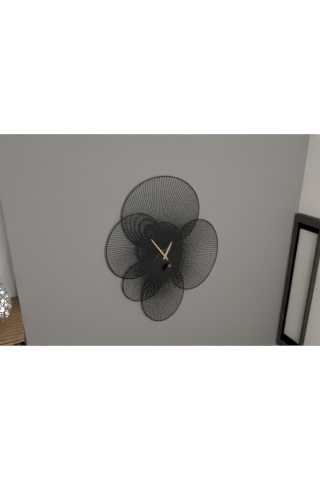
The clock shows 12h54
